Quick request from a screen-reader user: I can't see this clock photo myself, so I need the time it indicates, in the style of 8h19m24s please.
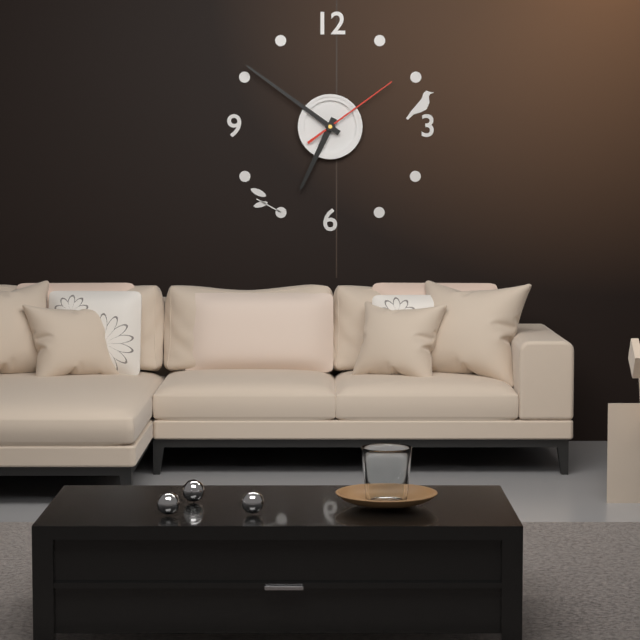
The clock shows 6h51m09s
